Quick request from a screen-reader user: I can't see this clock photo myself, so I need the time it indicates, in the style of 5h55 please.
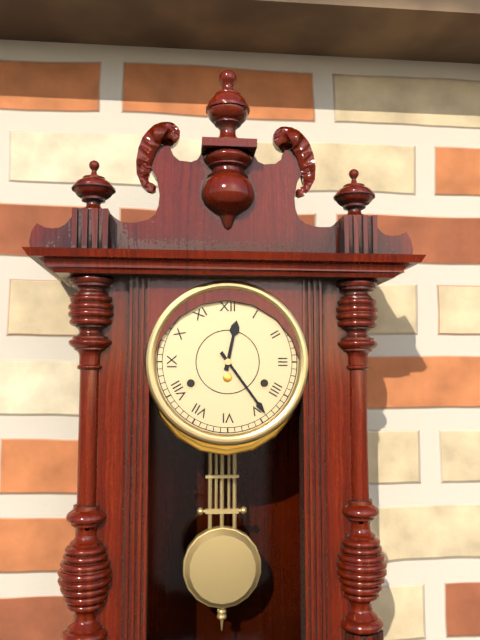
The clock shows 12h24
